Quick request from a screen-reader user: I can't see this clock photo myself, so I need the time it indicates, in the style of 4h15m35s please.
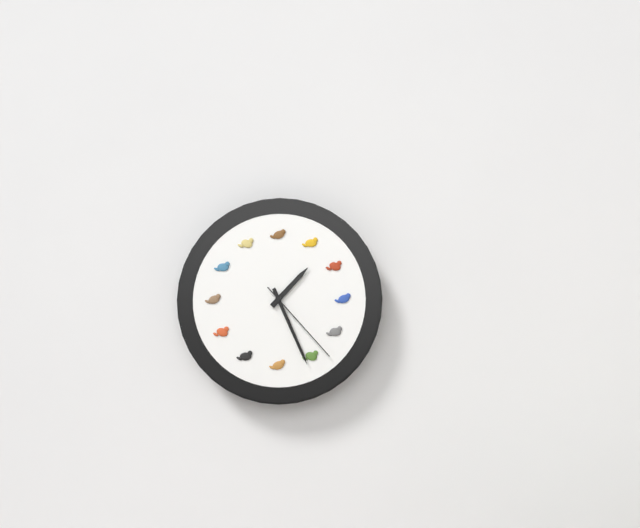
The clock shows 1h26m23s
